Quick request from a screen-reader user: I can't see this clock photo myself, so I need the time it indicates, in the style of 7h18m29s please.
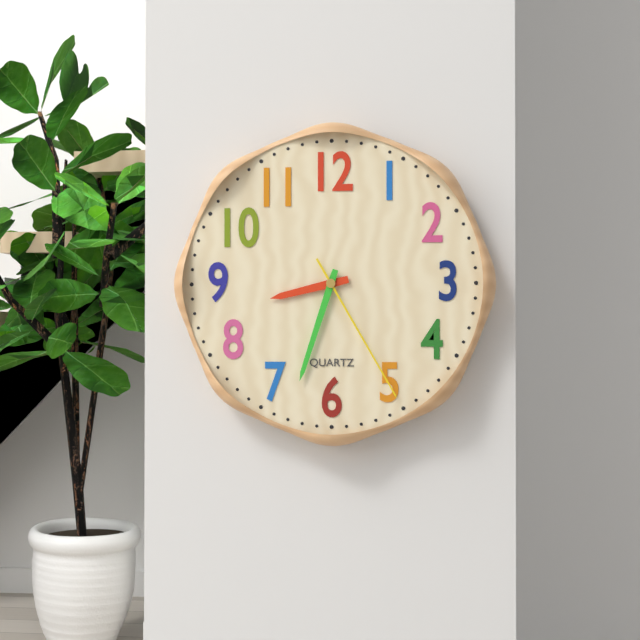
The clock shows 8h33m25s
